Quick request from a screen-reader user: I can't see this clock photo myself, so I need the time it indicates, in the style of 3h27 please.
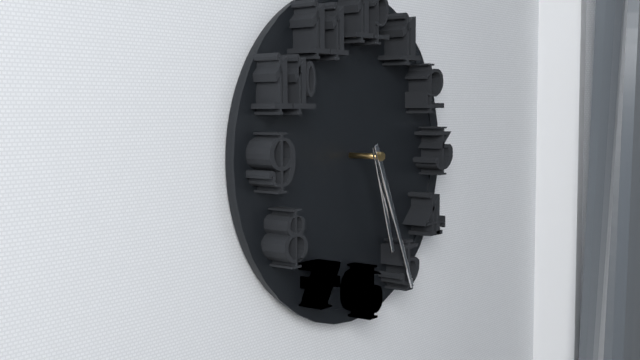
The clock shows 5h26
